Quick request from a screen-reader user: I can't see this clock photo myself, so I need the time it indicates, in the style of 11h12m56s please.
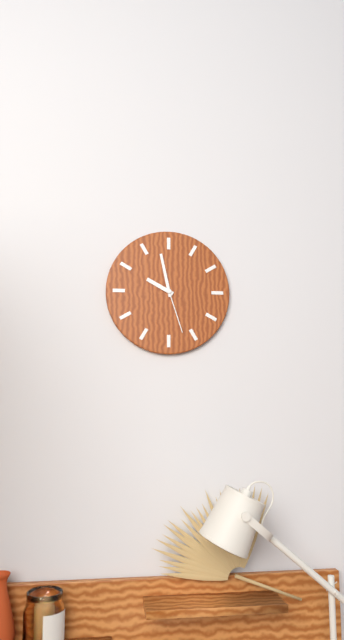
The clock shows 9h58m27s
